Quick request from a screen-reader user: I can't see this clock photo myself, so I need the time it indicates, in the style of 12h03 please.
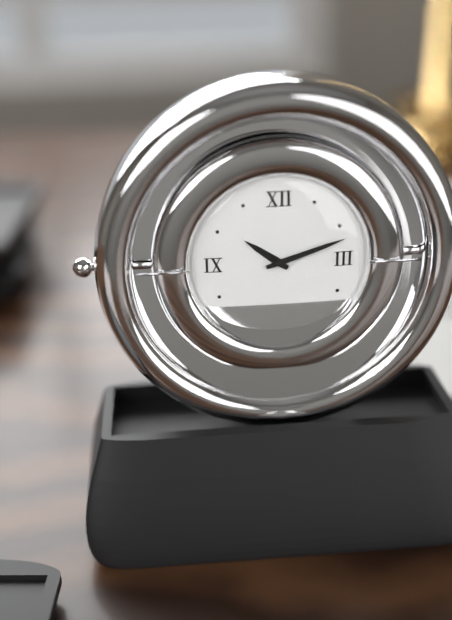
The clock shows 10h12
